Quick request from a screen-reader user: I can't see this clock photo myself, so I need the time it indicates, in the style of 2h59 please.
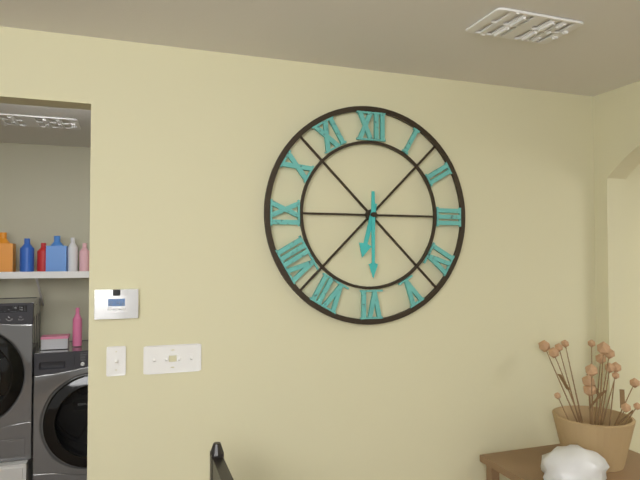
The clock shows 6h30
